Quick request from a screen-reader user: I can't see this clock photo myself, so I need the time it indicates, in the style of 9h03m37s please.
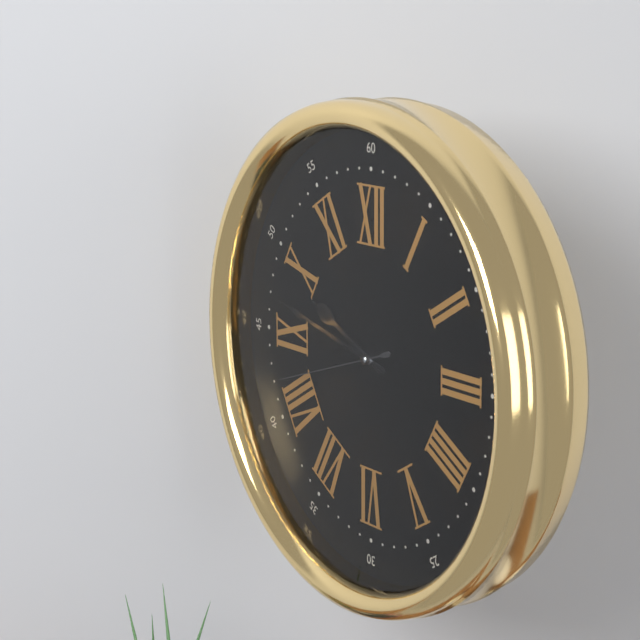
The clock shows 9h47m42s
